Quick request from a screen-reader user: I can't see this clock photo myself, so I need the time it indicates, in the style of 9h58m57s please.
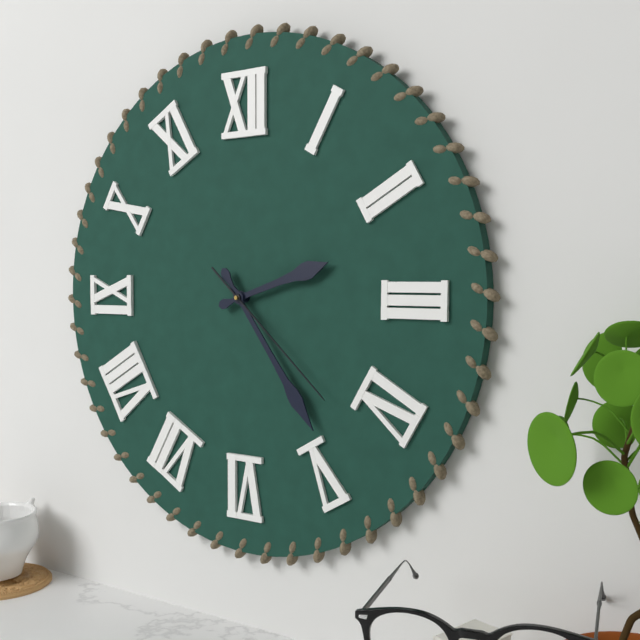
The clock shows 2h24m22s
